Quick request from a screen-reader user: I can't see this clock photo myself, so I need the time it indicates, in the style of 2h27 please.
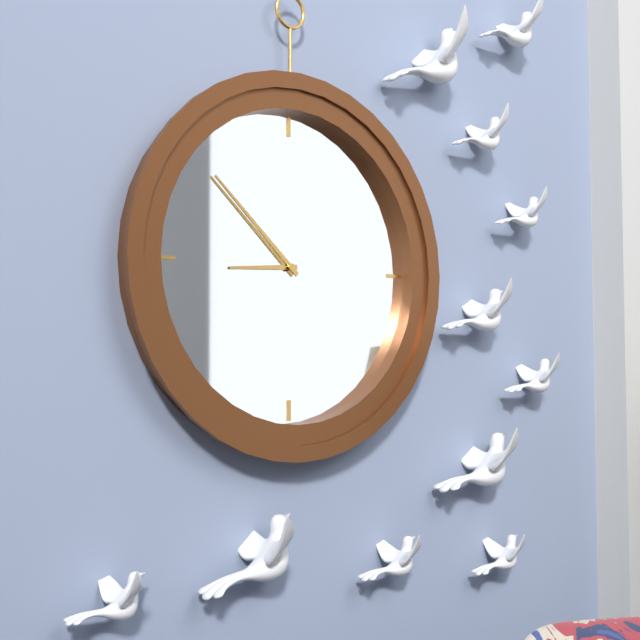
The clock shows 8h52
